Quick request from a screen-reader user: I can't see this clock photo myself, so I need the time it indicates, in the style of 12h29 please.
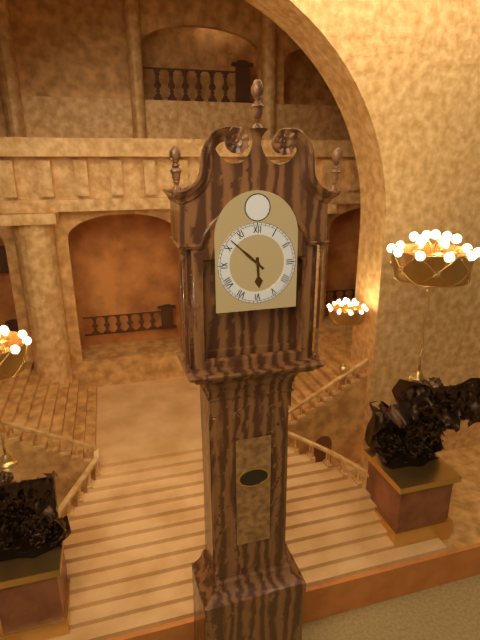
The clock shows 5h52
